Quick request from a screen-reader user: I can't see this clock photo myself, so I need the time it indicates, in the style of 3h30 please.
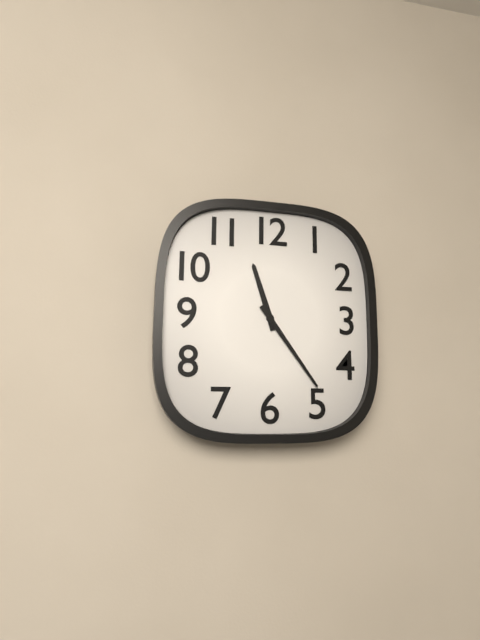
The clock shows 11h24
